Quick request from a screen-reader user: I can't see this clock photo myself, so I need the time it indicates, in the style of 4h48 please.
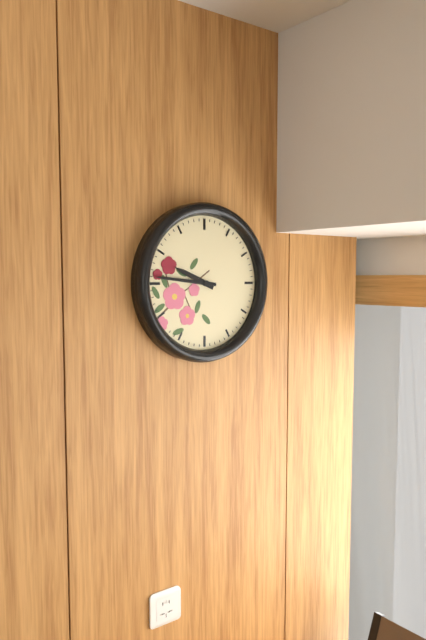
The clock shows 9h46
